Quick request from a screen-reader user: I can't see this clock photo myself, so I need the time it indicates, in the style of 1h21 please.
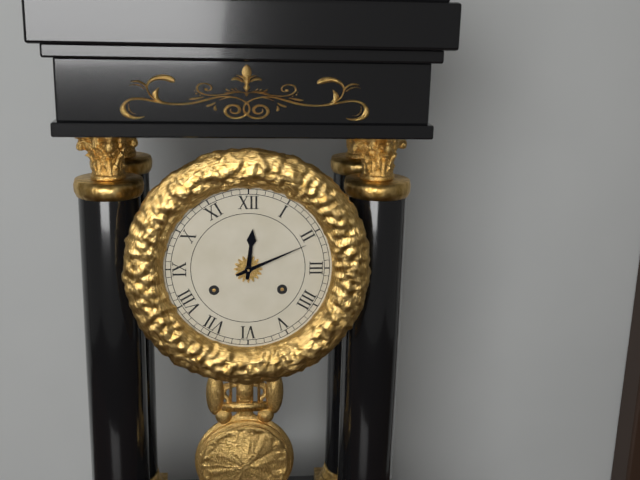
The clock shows 12h11
